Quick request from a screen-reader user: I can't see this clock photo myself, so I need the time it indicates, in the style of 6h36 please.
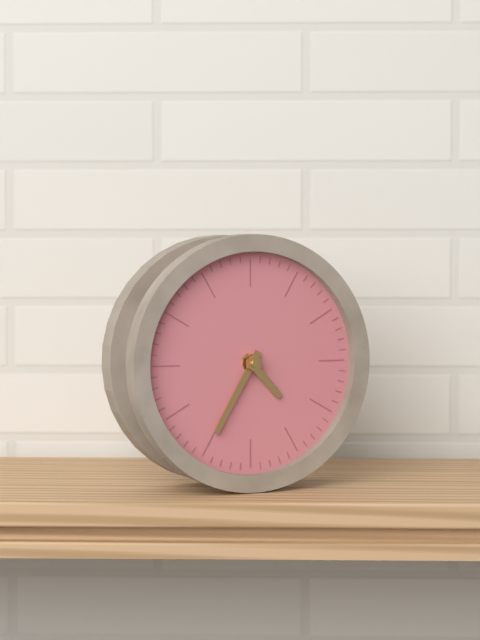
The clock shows 4h35
